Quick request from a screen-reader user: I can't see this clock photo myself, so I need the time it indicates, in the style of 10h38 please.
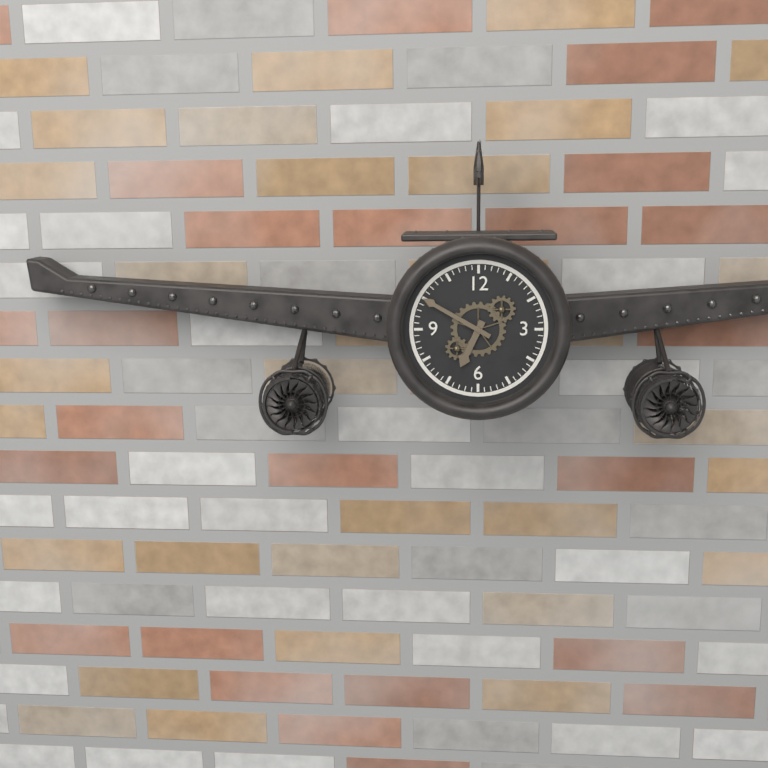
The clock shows 6h50
